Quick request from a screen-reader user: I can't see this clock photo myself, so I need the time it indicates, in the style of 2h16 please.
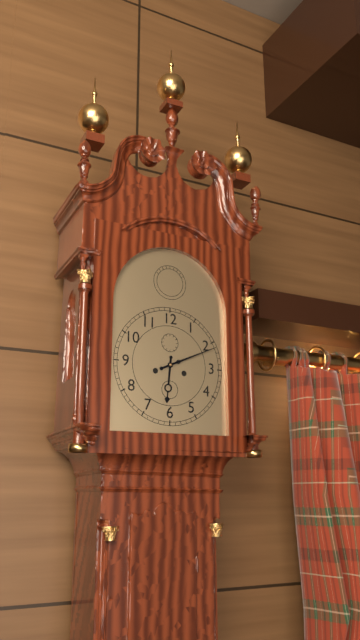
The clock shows 6h11
